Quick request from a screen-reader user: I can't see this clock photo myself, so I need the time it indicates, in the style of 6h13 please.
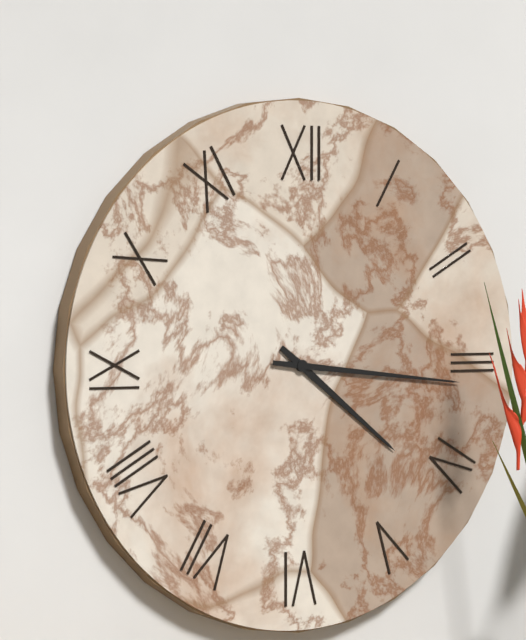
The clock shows 4h16
